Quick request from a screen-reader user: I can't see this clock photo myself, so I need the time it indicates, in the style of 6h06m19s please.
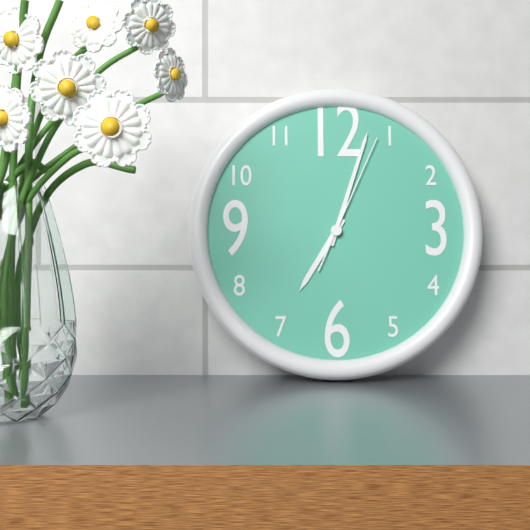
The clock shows 7h03m04s
